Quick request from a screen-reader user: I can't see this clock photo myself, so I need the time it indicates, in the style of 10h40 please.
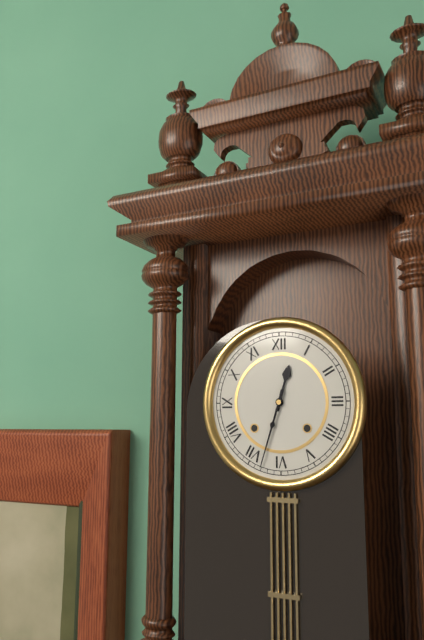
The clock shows 12h33
